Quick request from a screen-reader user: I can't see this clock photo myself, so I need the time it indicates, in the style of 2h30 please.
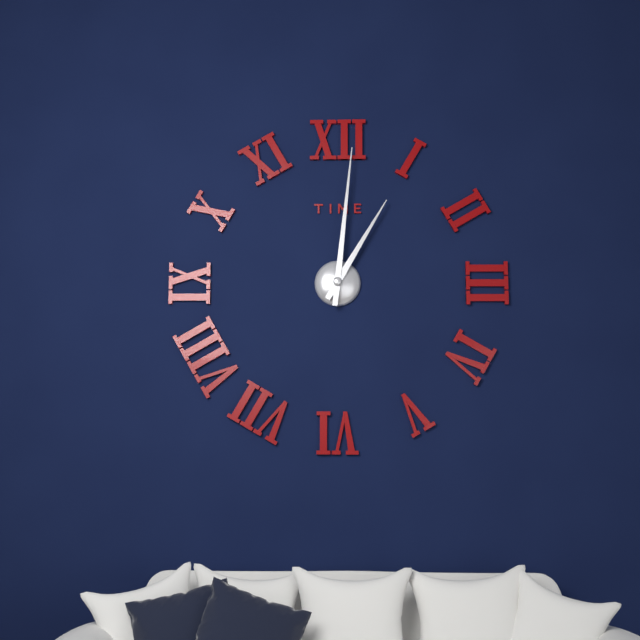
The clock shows 1h01
